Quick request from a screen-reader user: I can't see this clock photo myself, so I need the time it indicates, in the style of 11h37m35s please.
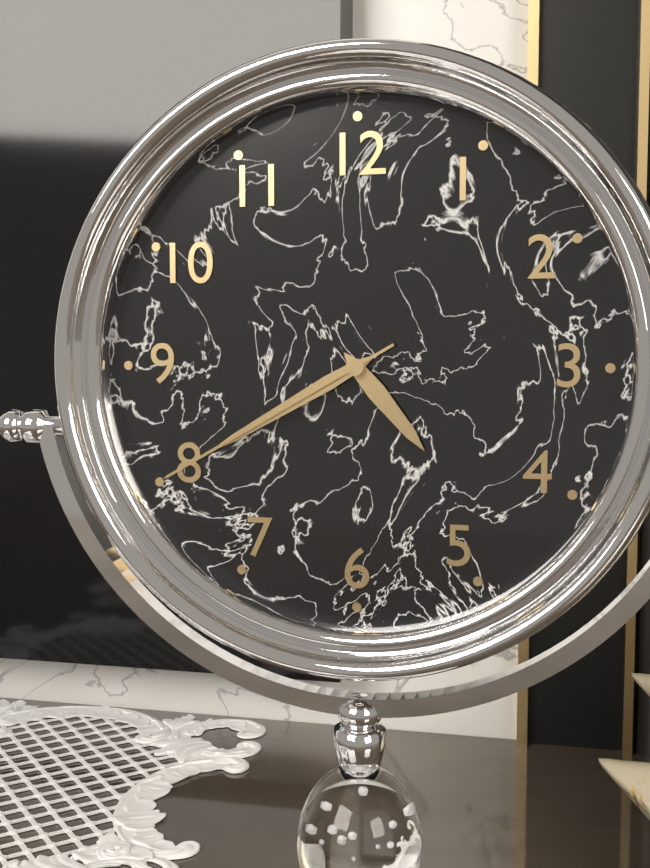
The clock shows 4h40m40s
